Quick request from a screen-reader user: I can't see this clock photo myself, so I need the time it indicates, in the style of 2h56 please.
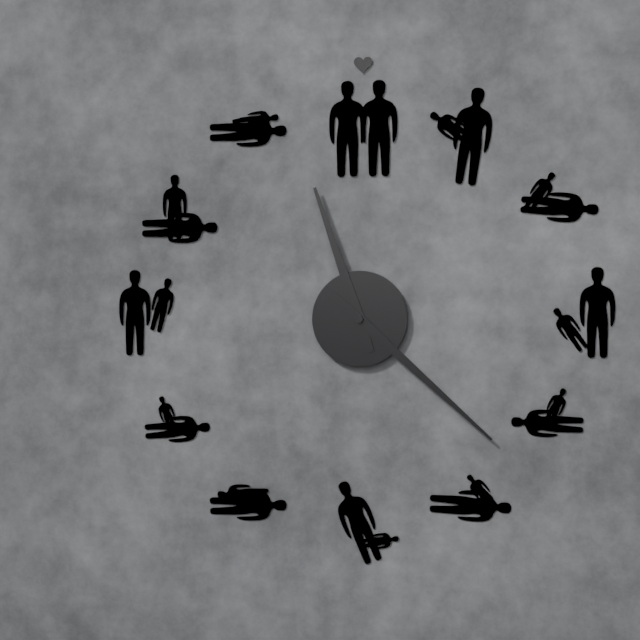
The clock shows 11h22
